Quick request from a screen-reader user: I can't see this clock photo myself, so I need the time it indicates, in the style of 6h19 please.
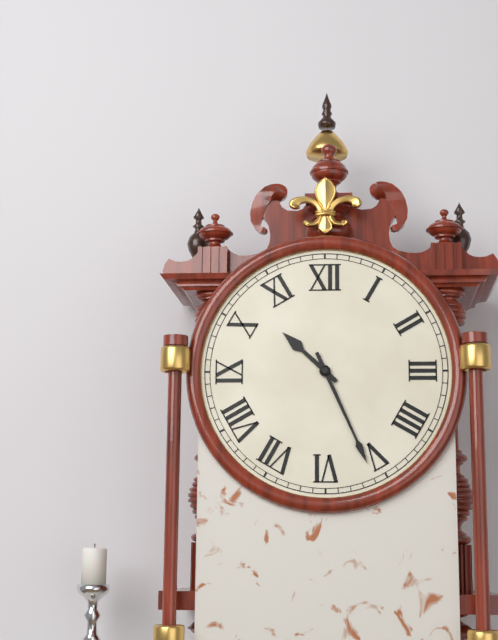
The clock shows 10h26
